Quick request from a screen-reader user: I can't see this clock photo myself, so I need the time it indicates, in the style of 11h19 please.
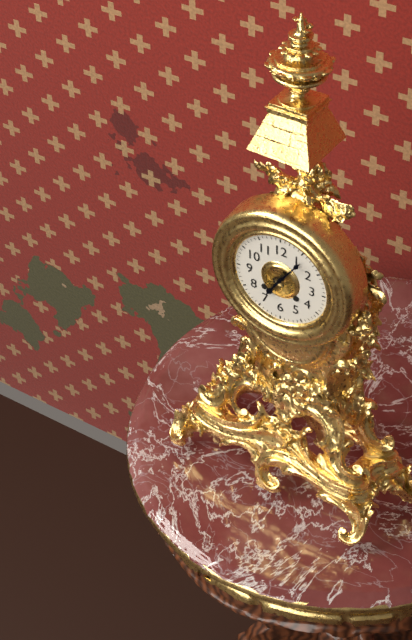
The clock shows 7h06
